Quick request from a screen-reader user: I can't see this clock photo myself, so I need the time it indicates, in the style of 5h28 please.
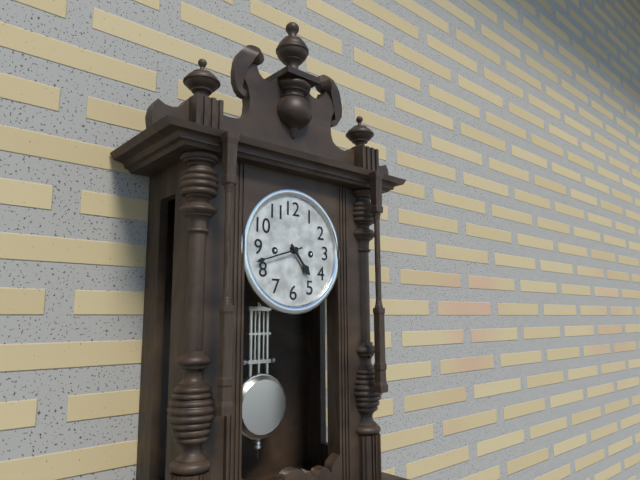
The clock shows 4h42
